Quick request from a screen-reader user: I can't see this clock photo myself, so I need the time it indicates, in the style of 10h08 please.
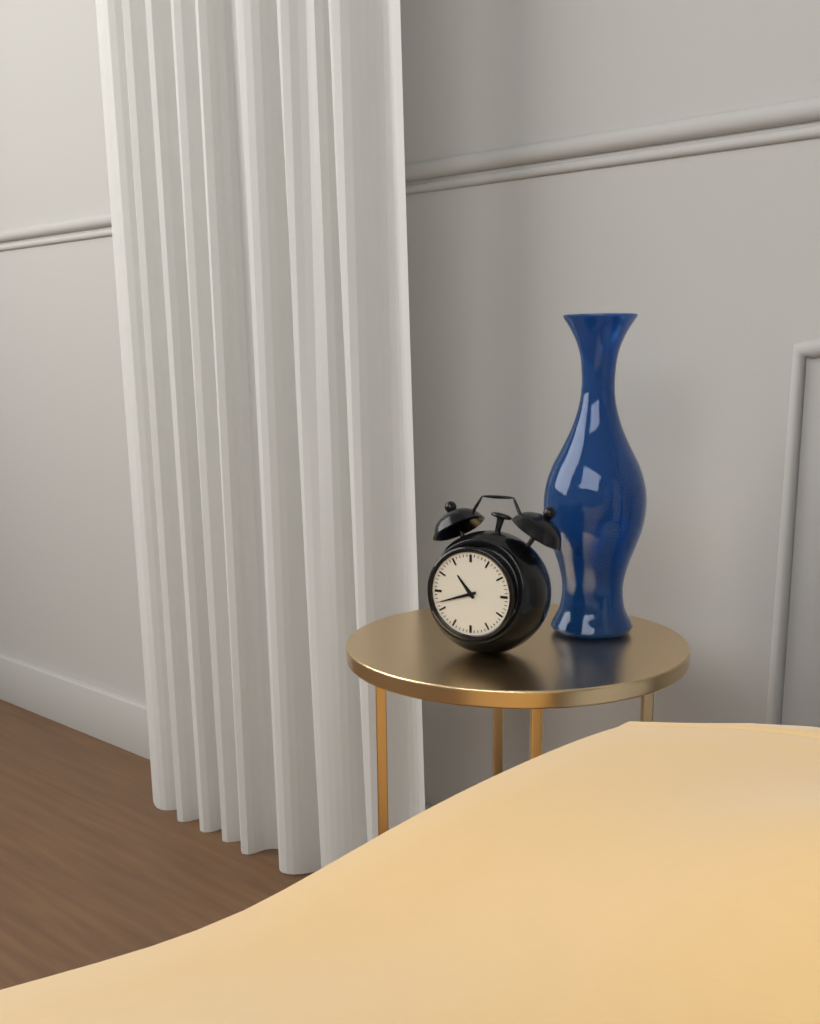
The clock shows 10h42
